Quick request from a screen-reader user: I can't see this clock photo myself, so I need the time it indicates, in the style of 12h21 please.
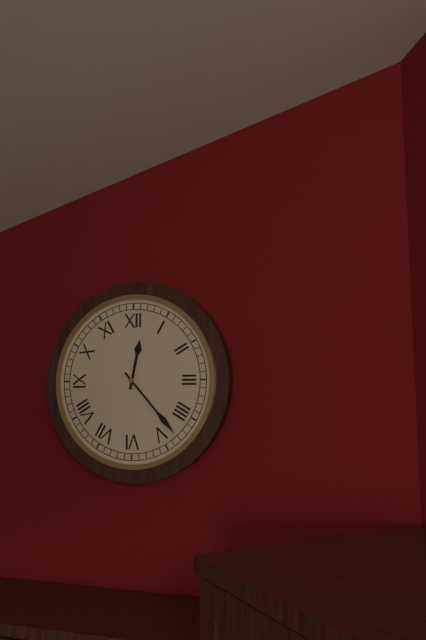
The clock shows 12h23
